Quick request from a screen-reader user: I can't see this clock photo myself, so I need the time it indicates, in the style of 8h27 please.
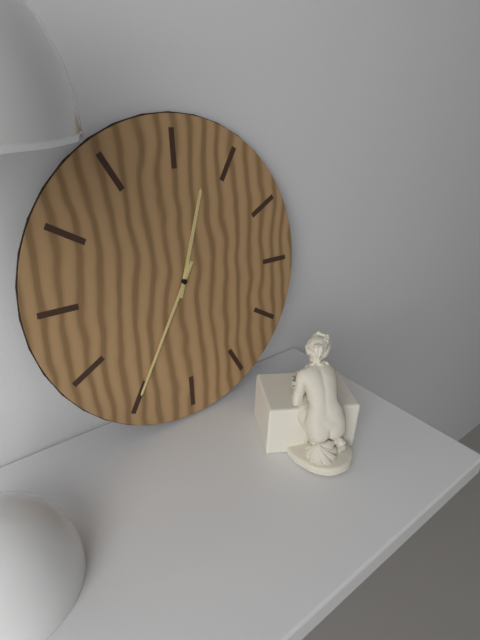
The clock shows 12h35
